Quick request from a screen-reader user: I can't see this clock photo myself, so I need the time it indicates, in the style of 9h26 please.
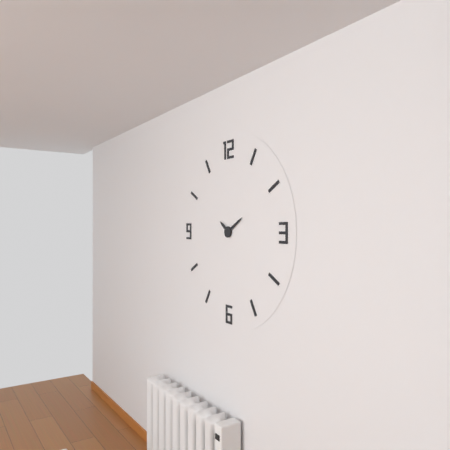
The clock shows 10h10
